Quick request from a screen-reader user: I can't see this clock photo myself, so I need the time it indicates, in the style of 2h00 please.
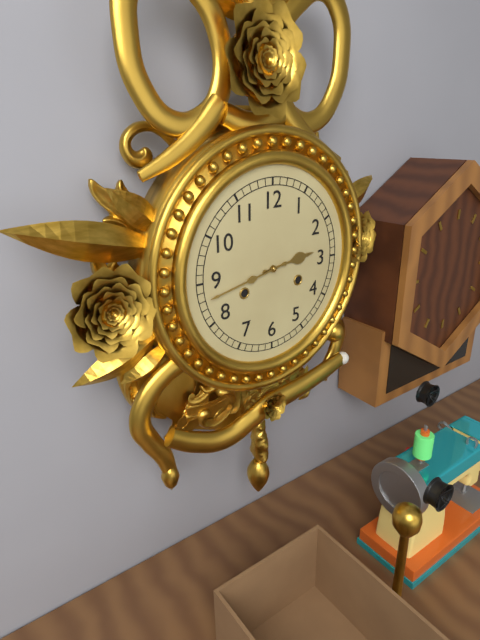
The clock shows 2h43
